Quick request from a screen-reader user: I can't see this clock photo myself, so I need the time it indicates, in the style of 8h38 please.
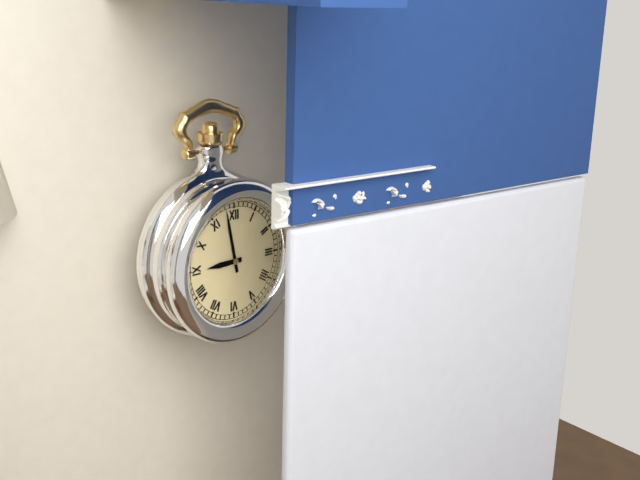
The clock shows 8h58
